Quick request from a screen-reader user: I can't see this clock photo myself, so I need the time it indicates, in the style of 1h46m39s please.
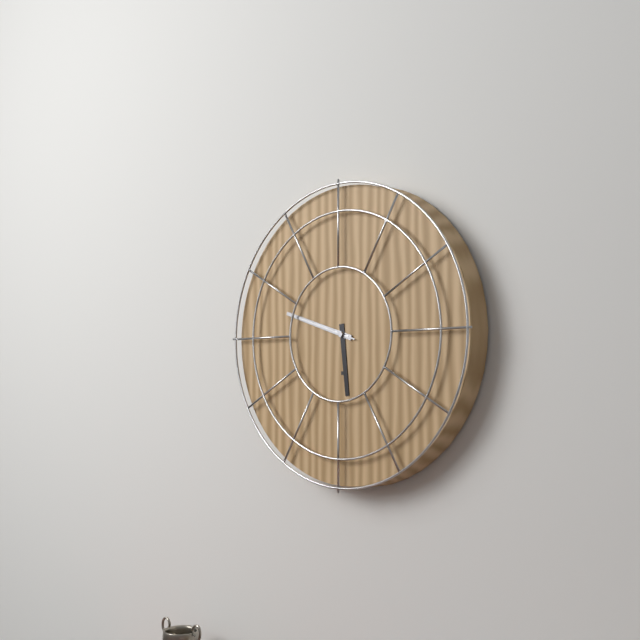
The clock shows 5h48m48s
